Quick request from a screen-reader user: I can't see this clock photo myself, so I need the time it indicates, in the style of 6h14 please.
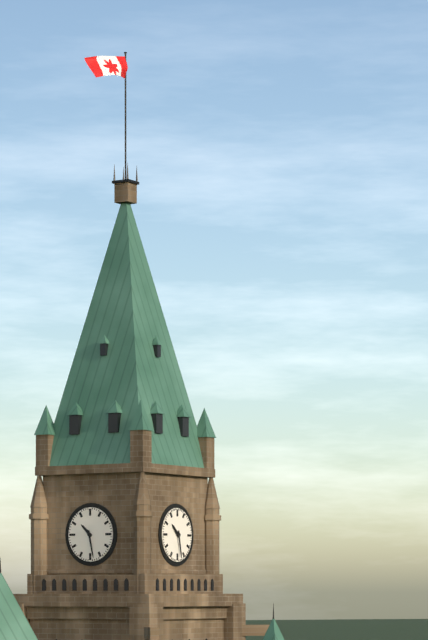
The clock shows 10h28
